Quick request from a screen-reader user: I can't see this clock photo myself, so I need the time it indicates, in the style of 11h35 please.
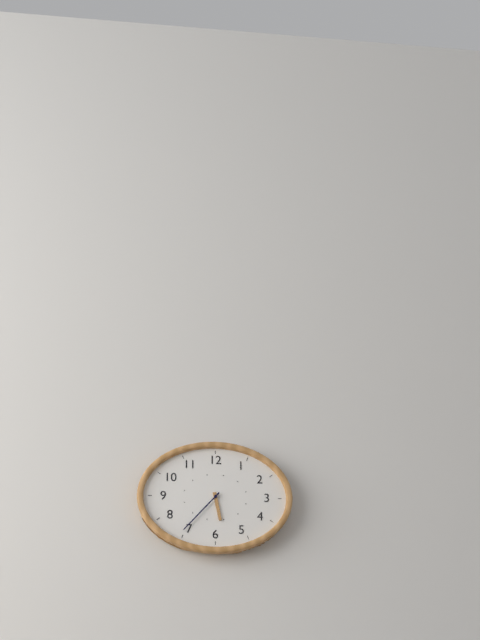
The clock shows 5h37
